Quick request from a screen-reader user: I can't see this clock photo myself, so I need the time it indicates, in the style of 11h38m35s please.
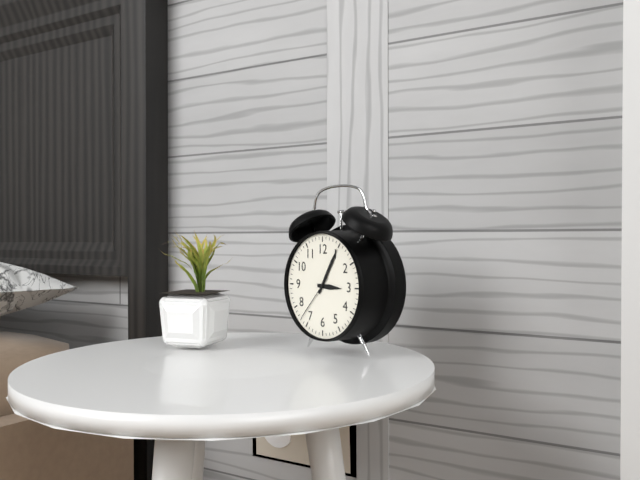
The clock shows 3h05m37s
